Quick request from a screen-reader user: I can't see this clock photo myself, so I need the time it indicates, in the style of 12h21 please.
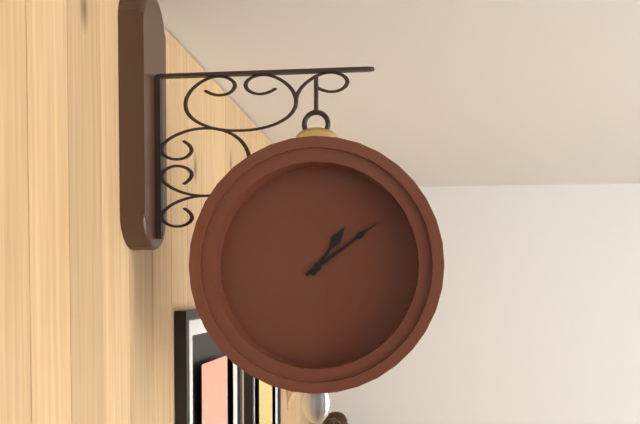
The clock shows 1h09
